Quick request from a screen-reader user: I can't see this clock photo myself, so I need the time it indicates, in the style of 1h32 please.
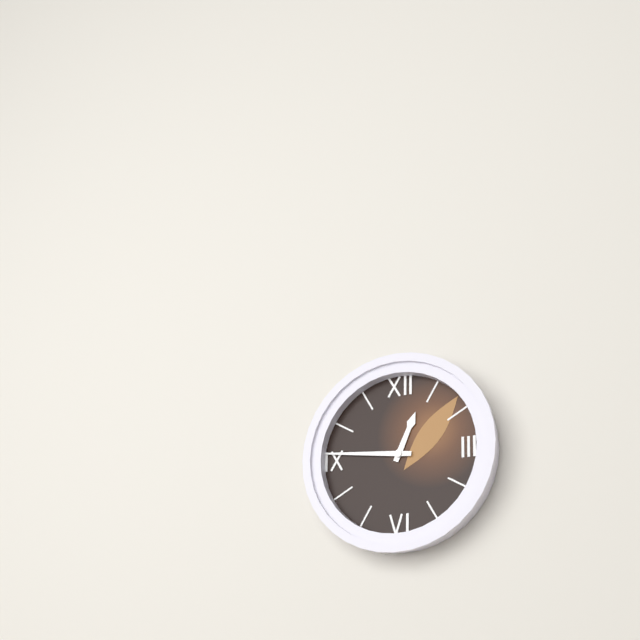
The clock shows 12h46
